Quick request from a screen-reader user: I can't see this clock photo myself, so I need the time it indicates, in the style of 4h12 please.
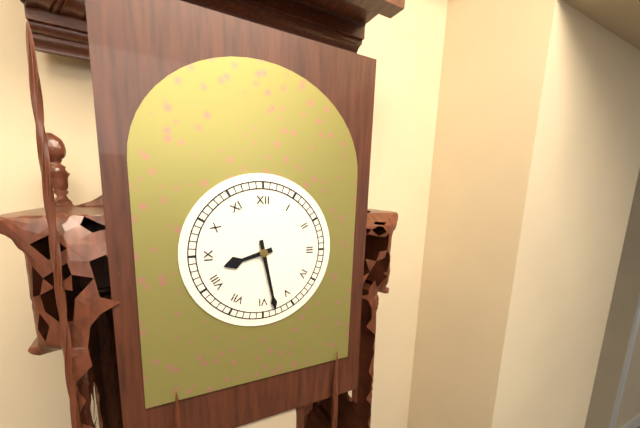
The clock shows 8h28
